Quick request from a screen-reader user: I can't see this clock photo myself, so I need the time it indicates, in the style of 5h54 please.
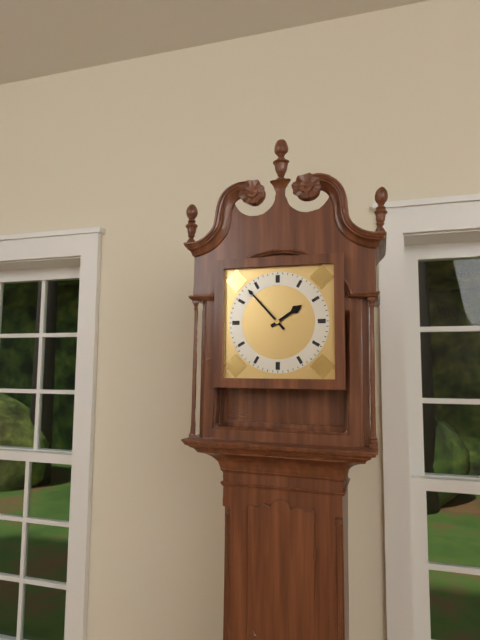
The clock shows 1h53
